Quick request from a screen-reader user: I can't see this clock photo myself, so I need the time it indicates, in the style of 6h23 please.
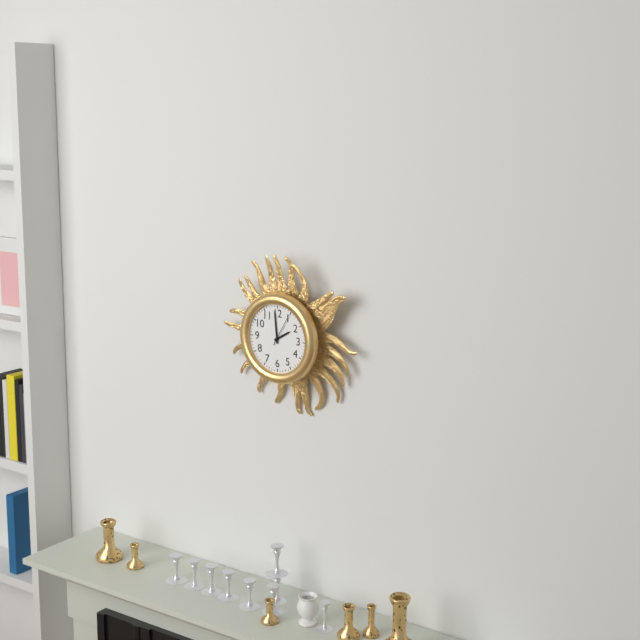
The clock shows 1h59
